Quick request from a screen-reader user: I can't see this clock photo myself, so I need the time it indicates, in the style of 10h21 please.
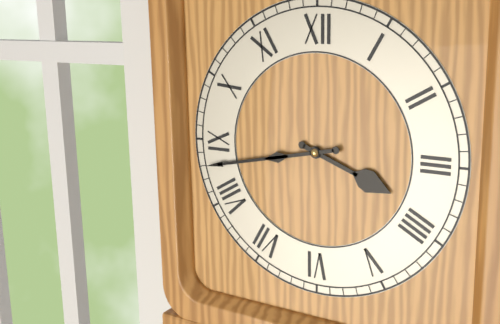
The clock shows 3h43
